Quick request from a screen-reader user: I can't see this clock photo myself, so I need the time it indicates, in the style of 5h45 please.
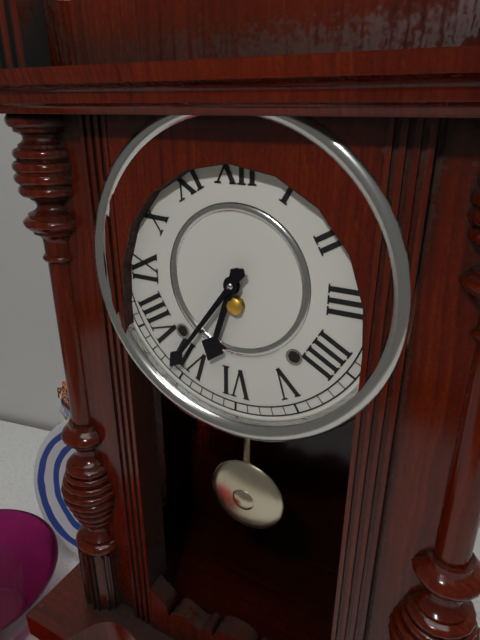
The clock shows 6h36
